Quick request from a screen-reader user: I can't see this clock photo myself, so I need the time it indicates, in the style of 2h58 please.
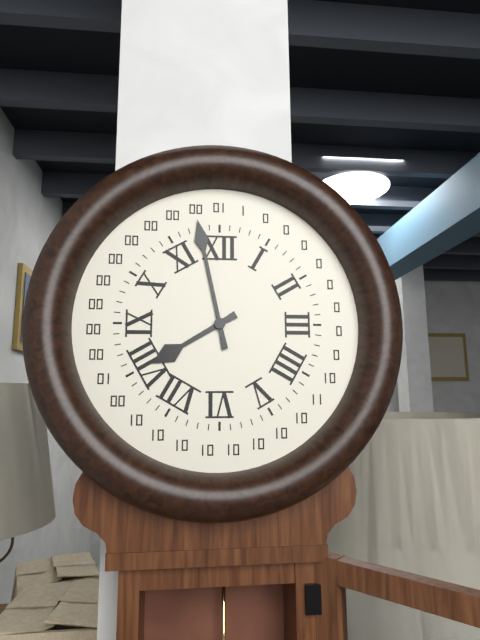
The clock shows 7h58
